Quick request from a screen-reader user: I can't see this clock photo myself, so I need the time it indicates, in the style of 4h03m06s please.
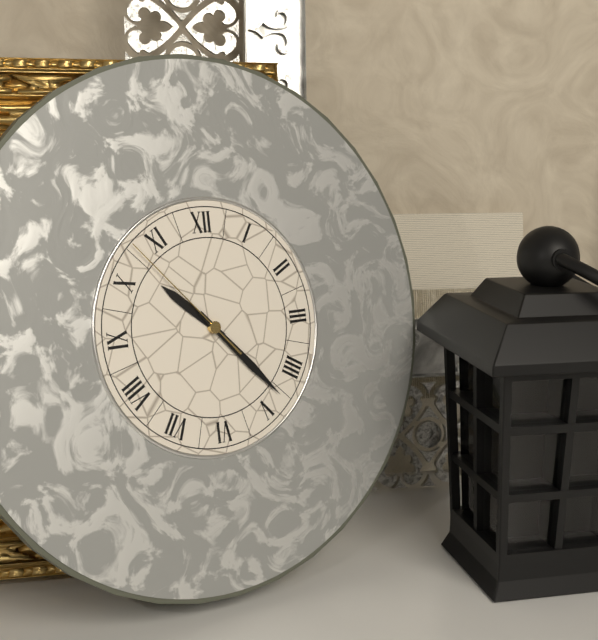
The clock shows 10h23m53s
